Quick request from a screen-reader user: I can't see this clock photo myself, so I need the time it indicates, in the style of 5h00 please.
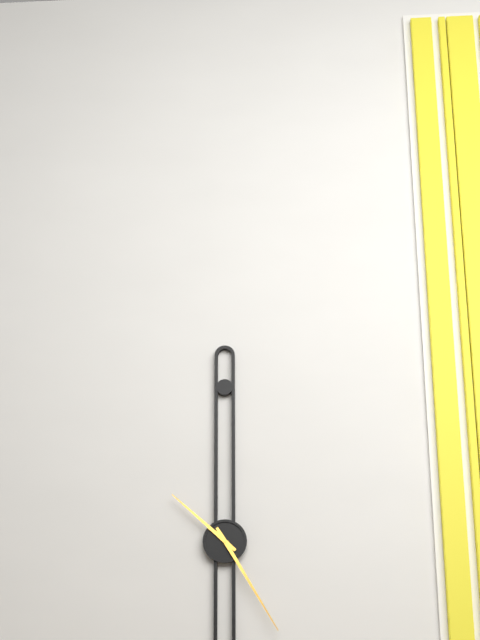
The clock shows 10h25
